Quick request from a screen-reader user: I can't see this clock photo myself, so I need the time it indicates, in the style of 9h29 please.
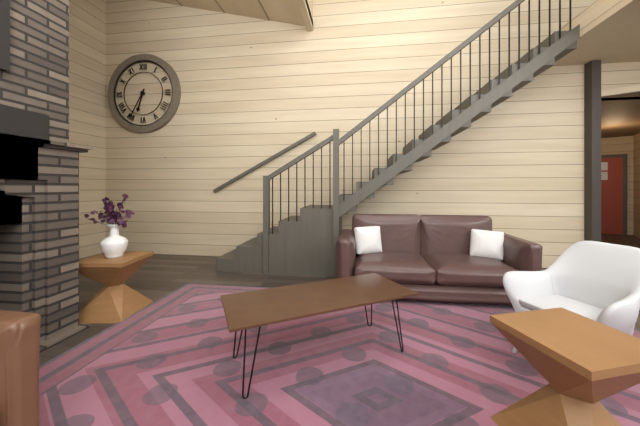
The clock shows 6h35
